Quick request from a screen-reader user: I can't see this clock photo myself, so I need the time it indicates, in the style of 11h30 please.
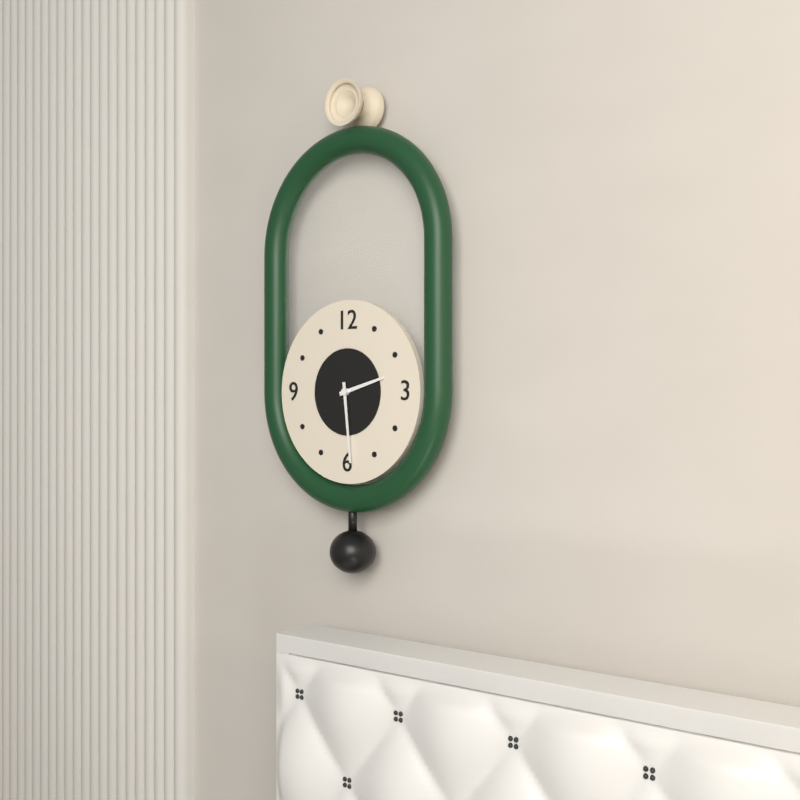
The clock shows 2h29
